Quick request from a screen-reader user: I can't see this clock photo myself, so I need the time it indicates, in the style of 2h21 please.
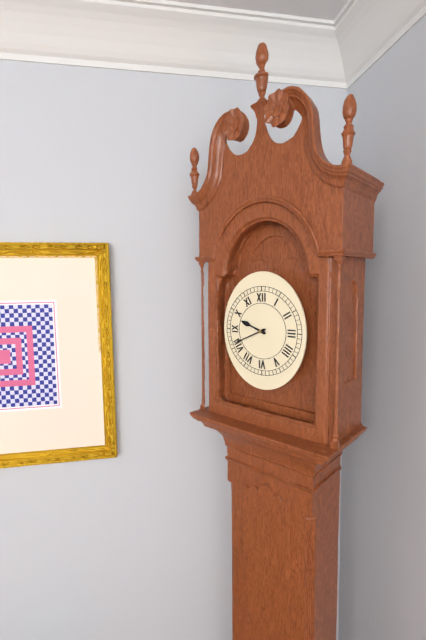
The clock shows 9h41
